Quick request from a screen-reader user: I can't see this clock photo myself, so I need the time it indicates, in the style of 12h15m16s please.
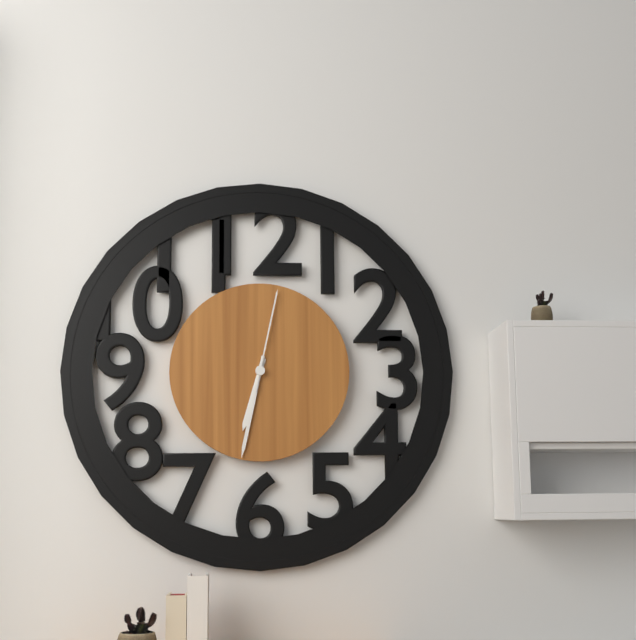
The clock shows 6h32m02s
